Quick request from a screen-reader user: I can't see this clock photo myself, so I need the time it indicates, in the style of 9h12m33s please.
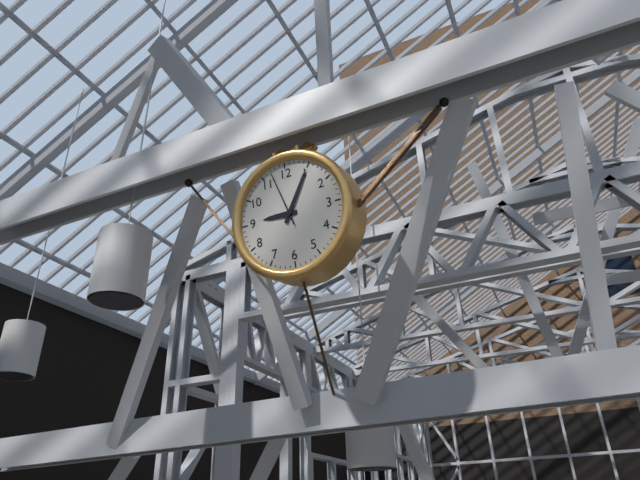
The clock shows 9h05m57s
